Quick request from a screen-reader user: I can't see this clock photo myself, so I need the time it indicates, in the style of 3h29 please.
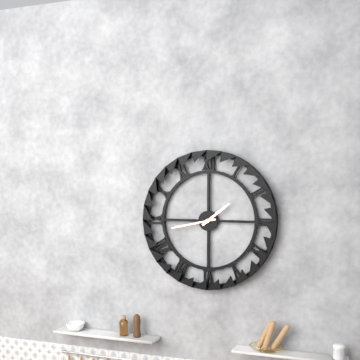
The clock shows 1h43
